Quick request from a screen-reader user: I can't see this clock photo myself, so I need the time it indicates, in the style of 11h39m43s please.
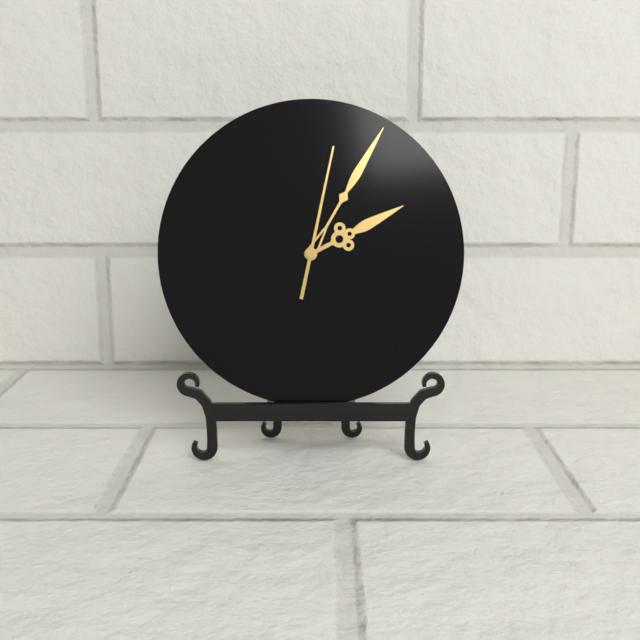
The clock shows 2h05m02s
